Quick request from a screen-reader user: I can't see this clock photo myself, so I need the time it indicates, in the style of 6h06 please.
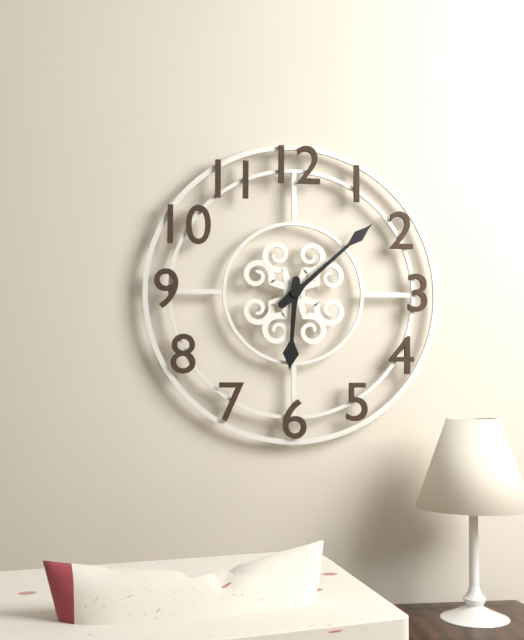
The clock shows 6h08
